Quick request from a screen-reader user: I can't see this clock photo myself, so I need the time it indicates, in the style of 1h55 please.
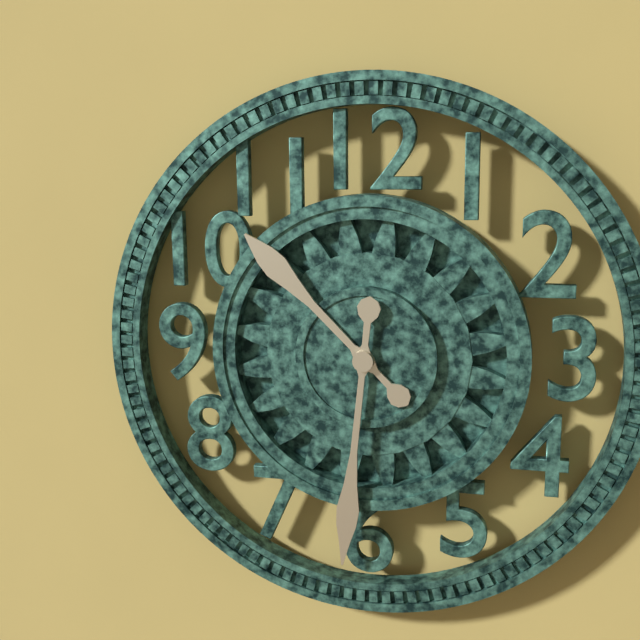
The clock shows 10h31
